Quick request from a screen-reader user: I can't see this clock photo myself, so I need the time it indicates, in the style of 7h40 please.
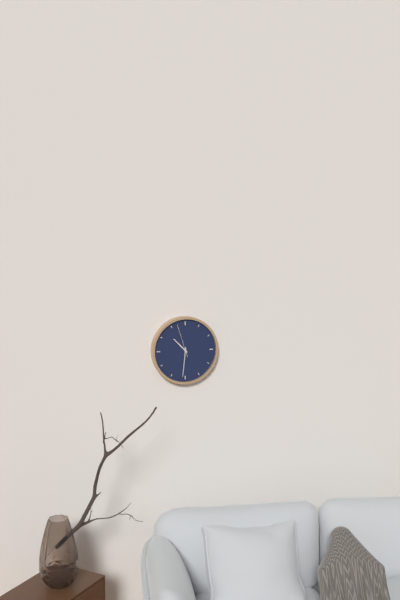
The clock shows 10h31
